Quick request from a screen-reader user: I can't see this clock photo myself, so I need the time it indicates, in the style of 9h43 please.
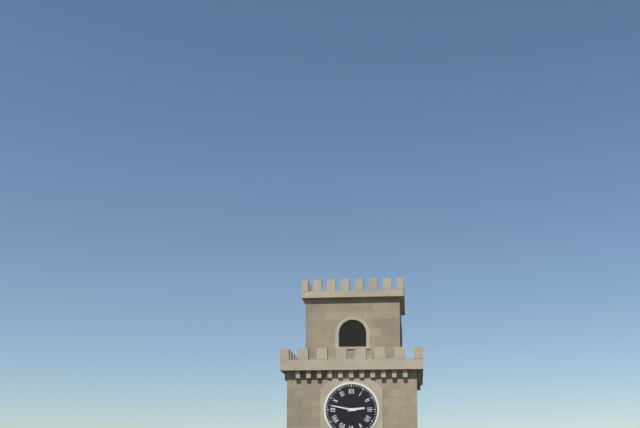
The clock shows 2h47
